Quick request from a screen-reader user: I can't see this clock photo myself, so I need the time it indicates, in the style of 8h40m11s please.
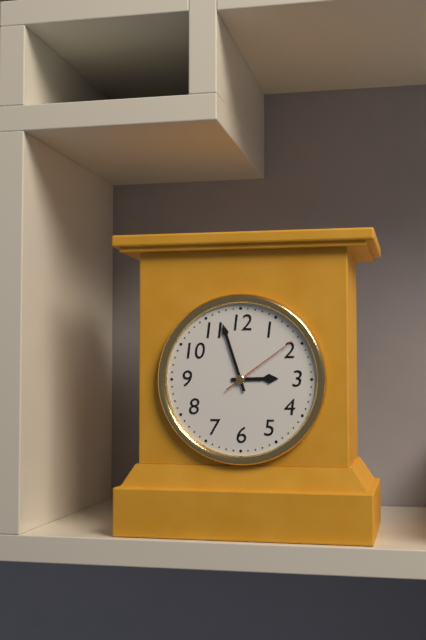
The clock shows 2h57m09s
